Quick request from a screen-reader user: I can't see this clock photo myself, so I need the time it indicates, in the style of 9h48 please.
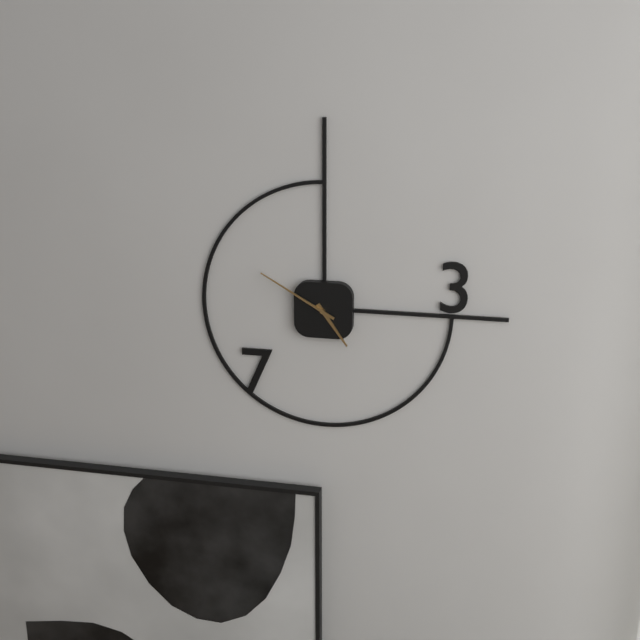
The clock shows 4h50
